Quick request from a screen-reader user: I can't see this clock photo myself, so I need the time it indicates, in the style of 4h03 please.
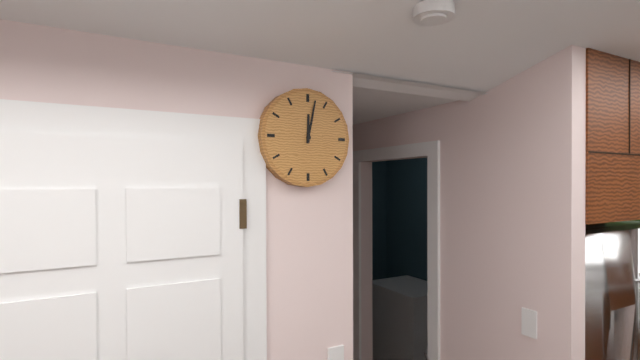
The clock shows 12h02
